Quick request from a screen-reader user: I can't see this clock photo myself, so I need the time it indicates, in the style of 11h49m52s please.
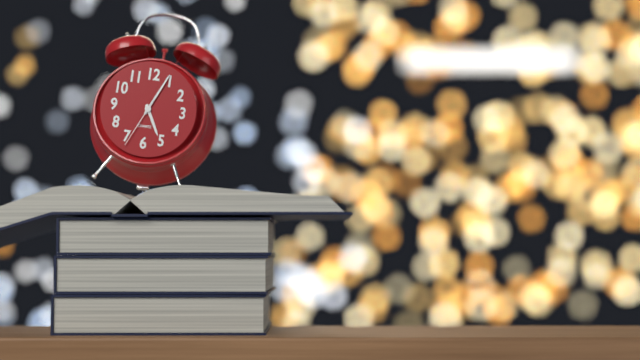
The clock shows 5h04m34s
